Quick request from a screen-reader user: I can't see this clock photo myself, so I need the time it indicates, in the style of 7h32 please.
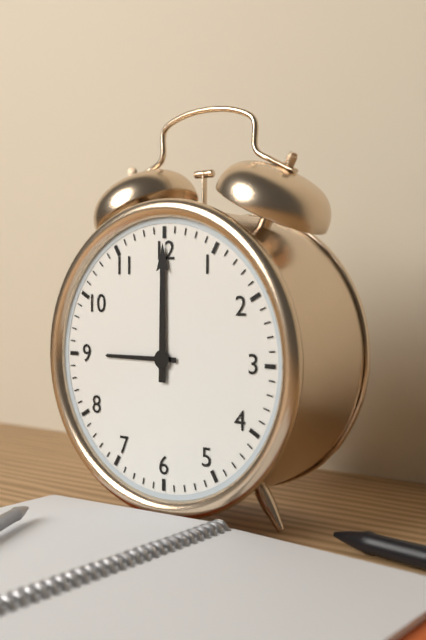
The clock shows 9h00
